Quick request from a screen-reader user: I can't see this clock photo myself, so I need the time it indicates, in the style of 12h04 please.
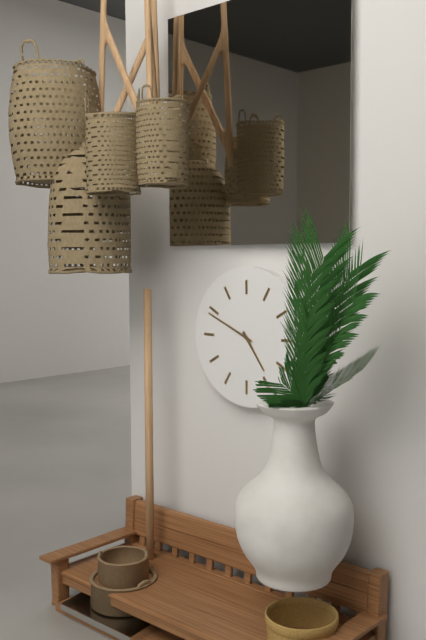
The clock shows 4h49
